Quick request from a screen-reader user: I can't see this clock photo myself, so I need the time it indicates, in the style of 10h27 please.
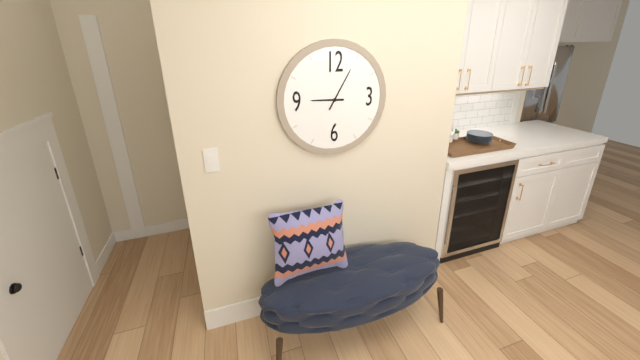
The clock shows 9h05
